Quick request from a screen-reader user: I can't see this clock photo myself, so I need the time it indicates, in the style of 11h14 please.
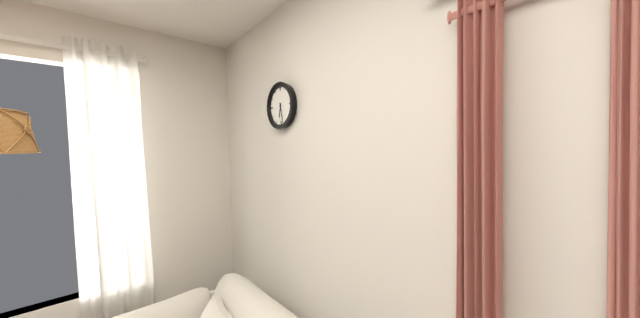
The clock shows 6h28
